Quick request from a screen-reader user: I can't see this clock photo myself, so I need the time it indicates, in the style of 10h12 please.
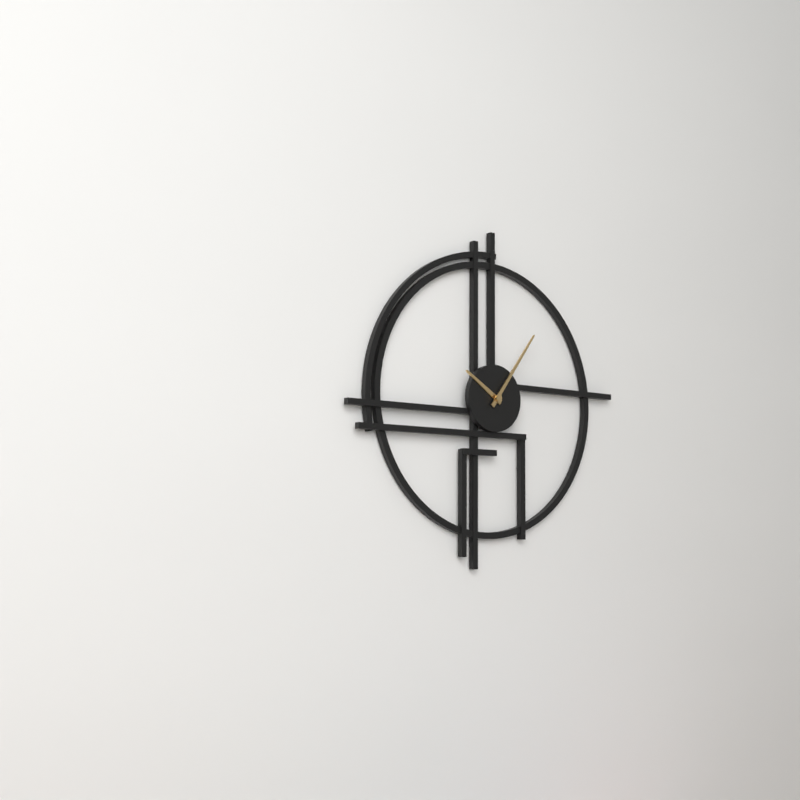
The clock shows 10h06
